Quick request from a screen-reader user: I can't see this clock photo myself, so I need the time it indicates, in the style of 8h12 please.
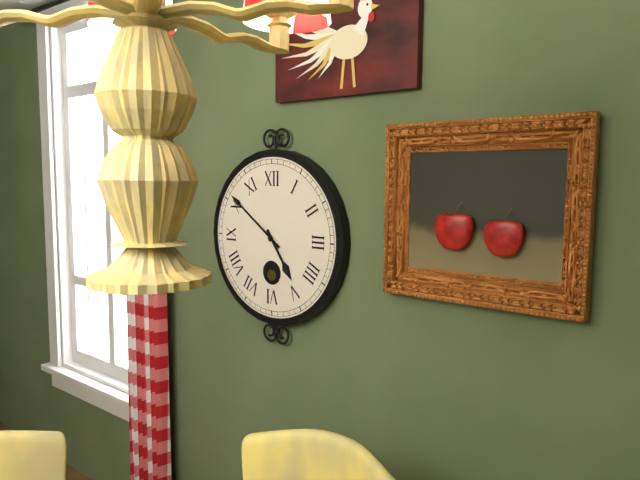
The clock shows 4h51
